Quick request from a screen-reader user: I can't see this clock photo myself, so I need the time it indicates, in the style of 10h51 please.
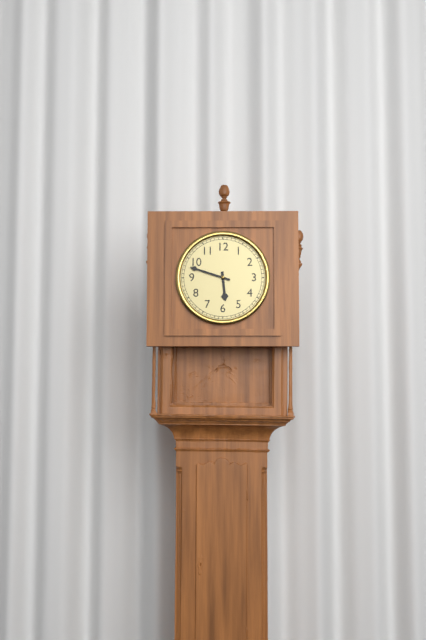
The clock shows 5h48
